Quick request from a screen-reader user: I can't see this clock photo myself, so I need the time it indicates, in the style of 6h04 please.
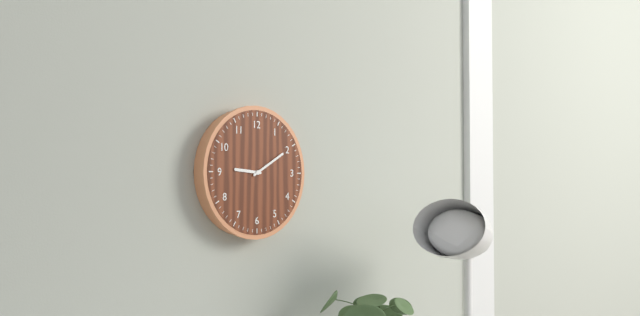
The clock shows 9h10
